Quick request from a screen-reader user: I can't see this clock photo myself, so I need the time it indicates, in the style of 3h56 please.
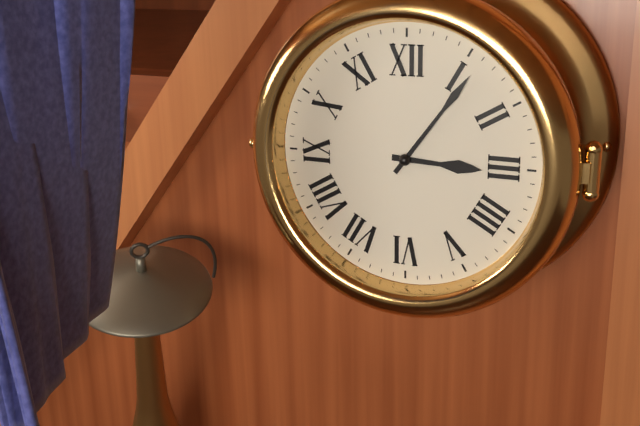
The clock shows 3h06
